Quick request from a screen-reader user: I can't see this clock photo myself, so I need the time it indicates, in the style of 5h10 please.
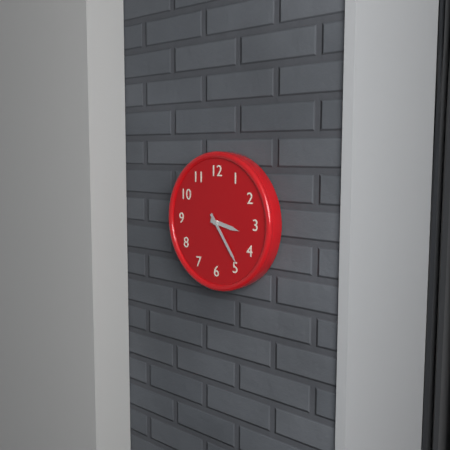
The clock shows 3h24
